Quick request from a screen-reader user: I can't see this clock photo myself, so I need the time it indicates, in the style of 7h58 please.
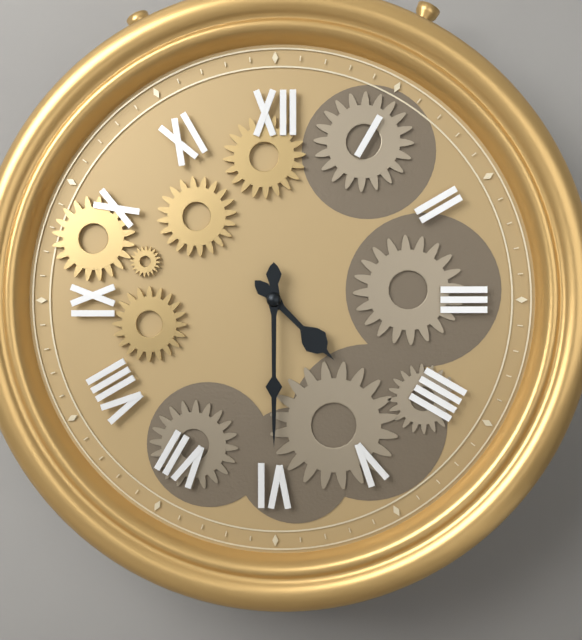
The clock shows 4h30
